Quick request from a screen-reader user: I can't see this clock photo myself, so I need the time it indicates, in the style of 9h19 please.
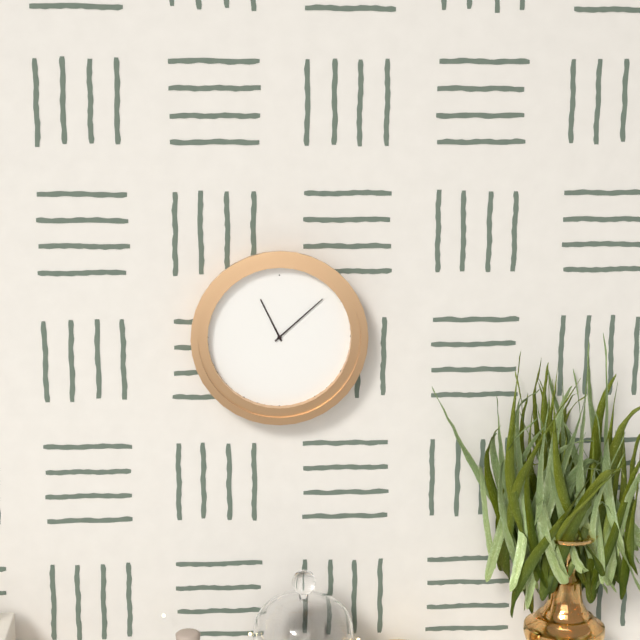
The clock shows 11h08
